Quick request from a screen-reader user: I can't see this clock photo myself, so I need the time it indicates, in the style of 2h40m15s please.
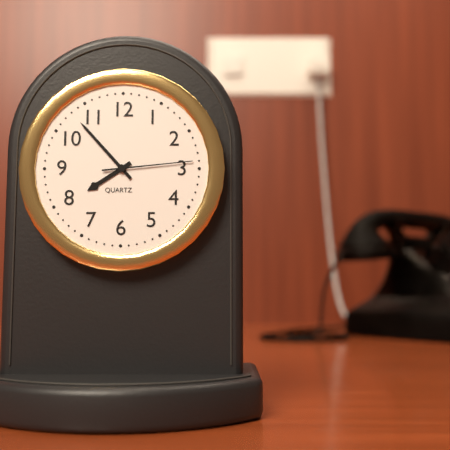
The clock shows 7h53m14s
